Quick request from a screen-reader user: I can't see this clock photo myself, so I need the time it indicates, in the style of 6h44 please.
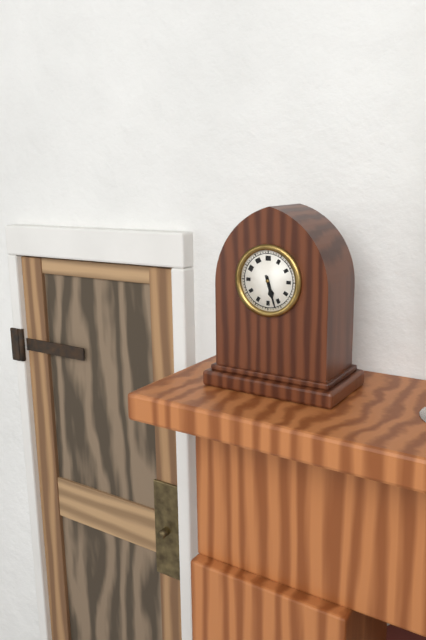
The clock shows 5h27
